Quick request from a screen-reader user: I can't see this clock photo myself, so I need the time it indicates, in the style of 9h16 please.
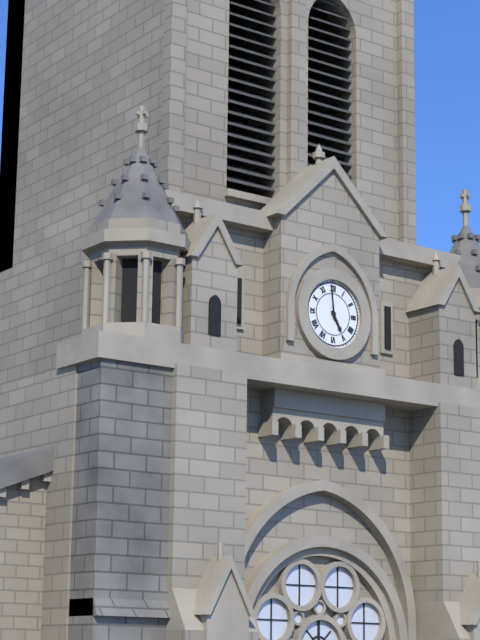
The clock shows 4h59
